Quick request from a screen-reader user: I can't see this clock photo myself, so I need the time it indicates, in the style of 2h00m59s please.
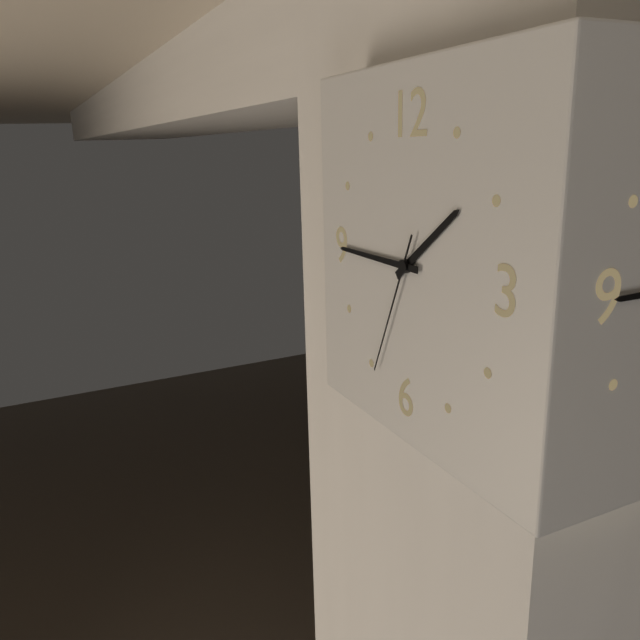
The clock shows 1h45m34s
